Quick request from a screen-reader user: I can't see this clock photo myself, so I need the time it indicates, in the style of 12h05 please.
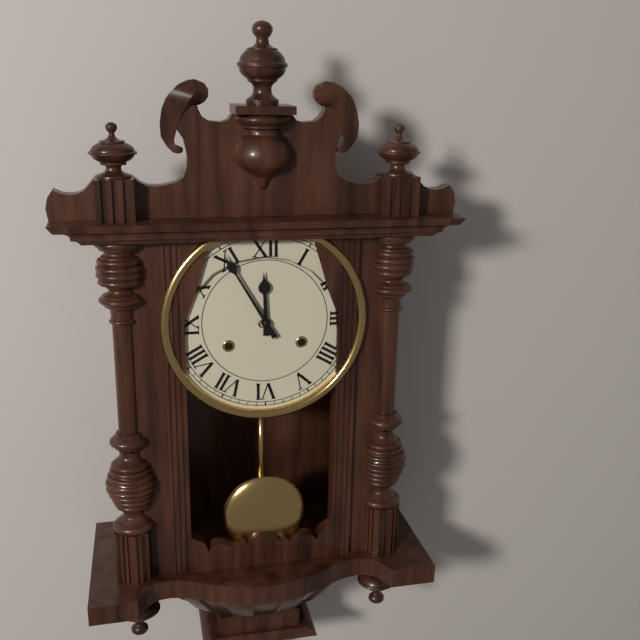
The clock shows 11h55
